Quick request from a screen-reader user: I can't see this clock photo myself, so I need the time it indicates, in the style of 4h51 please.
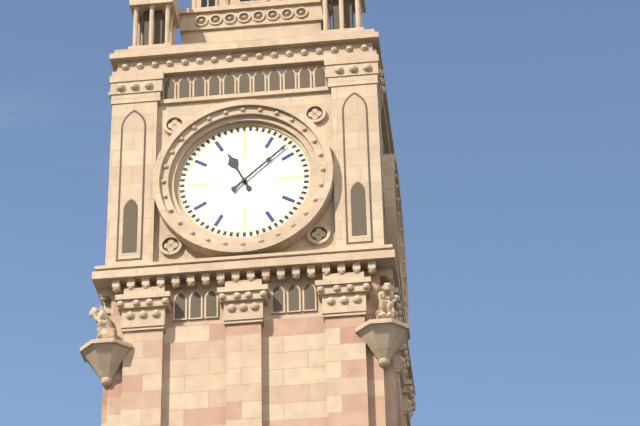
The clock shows 11h08
